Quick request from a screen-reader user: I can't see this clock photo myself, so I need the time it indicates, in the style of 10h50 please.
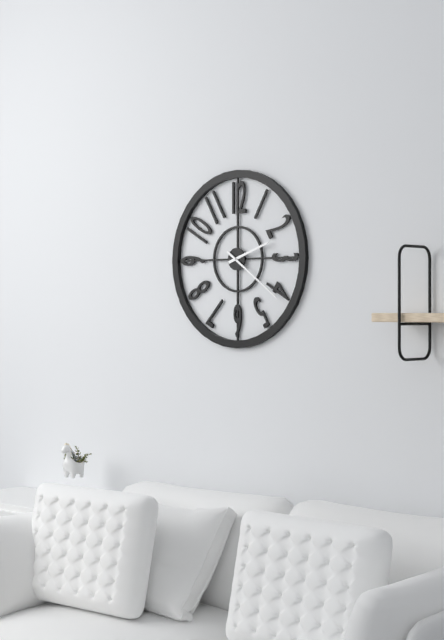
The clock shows 2h21
